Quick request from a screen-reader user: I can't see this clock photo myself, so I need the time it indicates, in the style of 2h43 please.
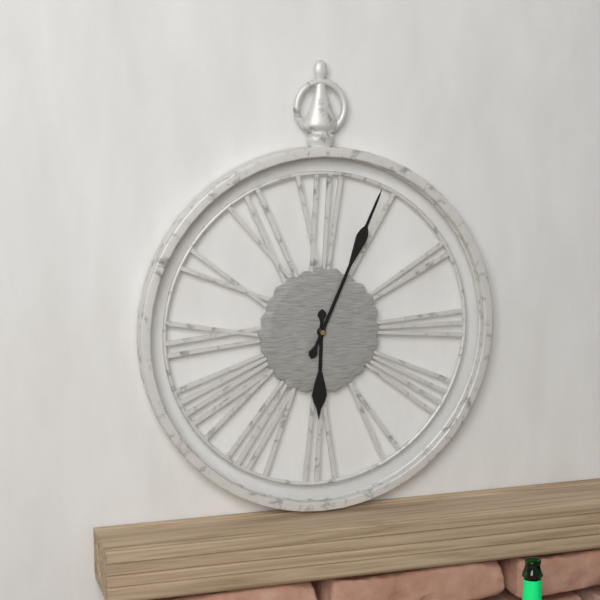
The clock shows 6h04
